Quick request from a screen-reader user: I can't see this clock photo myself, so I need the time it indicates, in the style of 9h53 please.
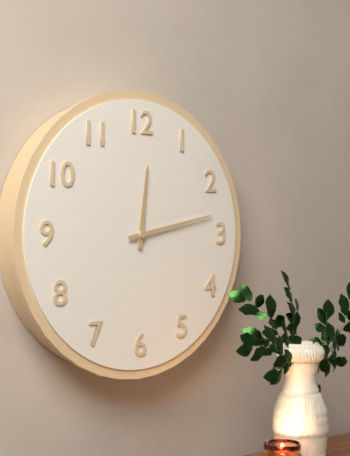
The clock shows 12h13
